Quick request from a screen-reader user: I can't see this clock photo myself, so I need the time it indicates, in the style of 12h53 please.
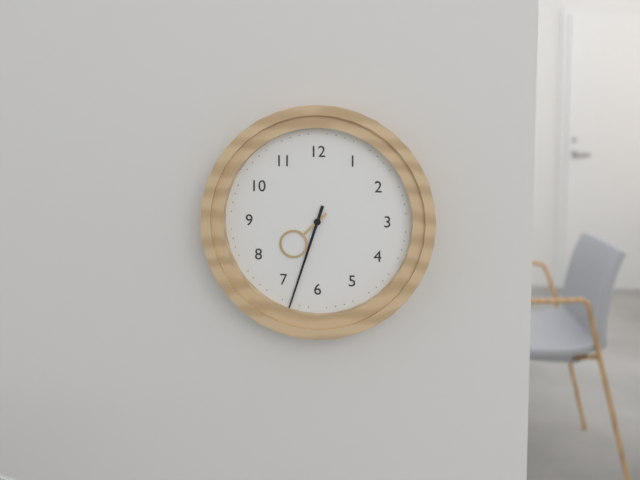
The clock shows 7h33
